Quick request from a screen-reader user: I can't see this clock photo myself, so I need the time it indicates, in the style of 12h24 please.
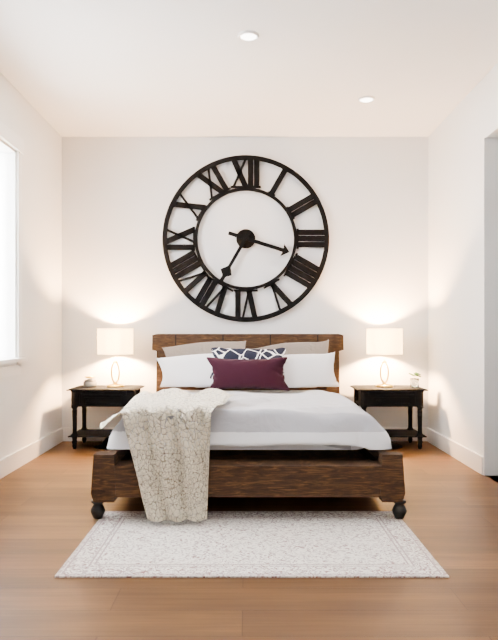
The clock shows 3h35
